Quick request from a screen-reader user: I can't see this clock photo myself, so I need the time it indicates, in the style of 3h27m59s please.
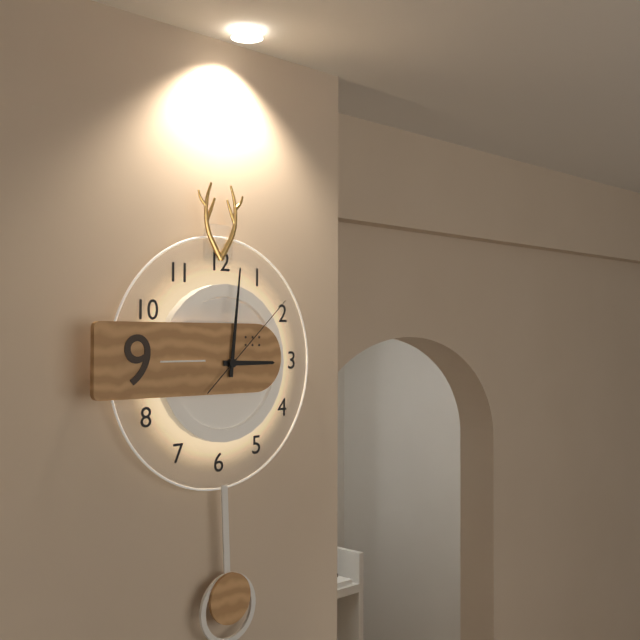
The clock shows 3h01m08s
